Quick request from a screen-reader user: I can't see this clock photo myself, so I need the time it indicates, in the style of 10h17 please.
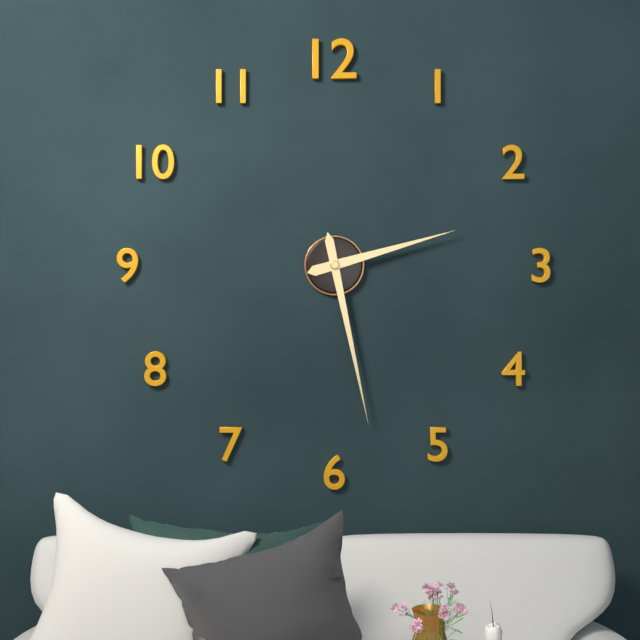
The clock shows 2h28
